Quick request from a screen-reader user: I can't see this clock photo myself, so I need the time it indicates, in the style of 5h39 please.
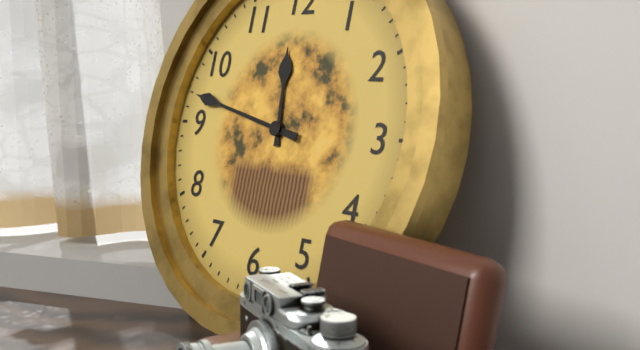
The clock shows 11h47
